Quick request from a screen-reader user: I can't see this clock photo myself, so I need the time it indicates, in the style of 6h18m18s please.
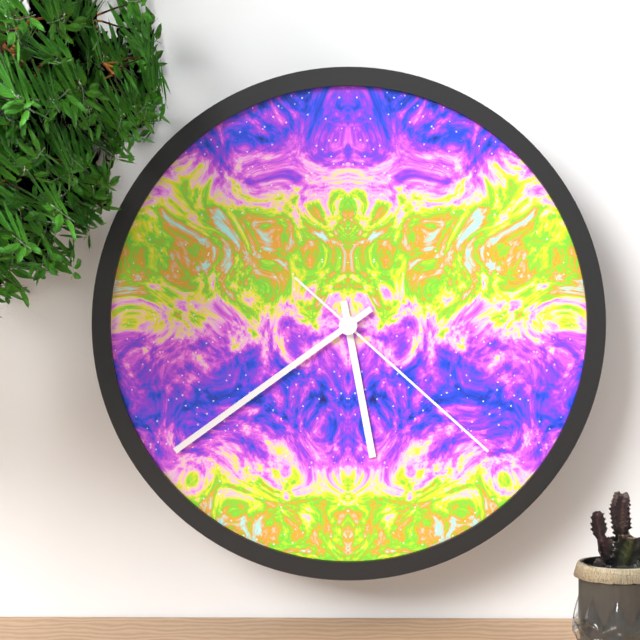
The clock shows 5h39m22s
